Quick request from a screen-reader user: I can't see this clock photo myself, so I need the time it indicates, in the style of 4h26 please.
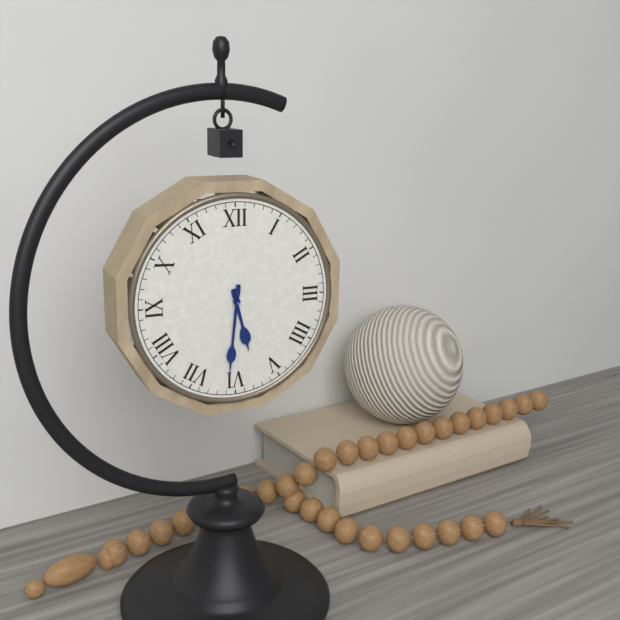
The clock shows 5h31
